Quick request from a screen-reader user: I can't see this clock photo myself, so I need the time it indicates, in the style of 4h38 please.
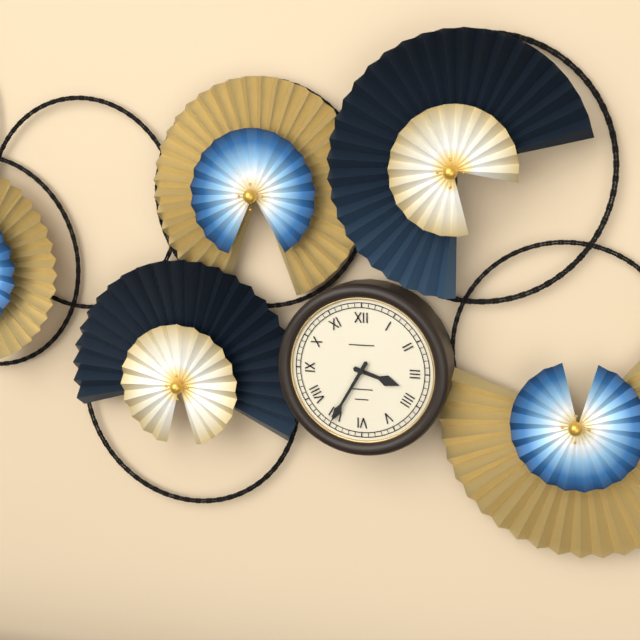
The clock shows 3h35
